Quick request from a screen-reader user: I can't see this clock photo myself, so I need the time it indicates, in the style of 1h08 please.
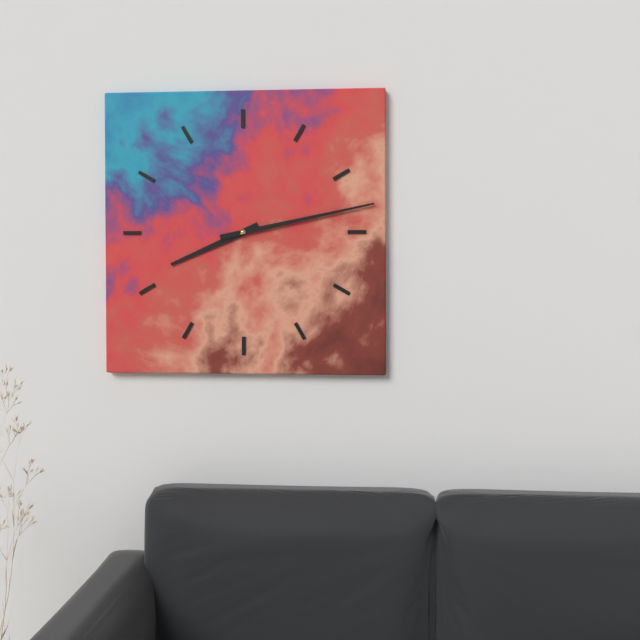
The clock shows 8h13
